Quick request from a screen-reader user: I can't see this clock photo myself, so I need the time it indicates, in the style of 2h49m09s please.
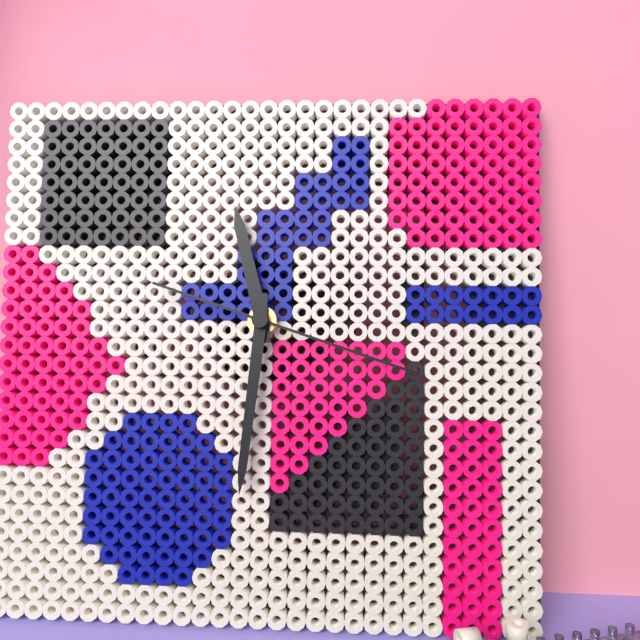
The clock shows 11h31m18s
